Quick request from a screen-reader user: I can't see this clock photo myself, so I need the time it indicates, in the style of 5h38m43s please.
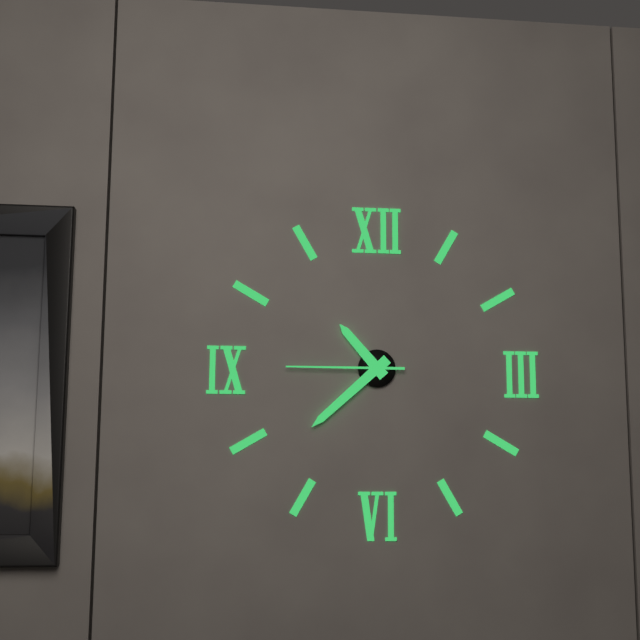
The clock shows 10h38m45s
